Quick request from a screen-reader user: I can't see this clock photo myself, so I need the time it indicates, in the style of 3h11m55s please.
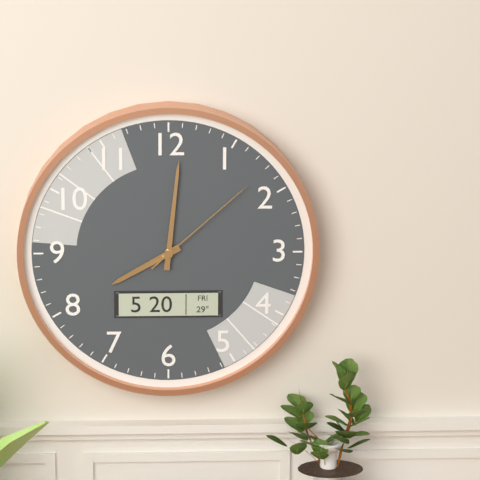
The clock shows 8h01m08s
